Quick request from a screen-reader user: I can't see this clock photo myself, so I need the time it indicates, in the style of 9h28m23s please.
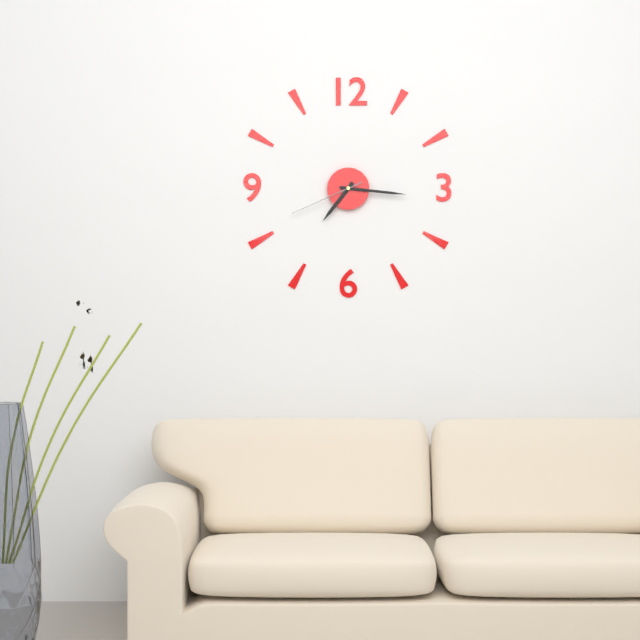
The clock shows 7h16m41s
